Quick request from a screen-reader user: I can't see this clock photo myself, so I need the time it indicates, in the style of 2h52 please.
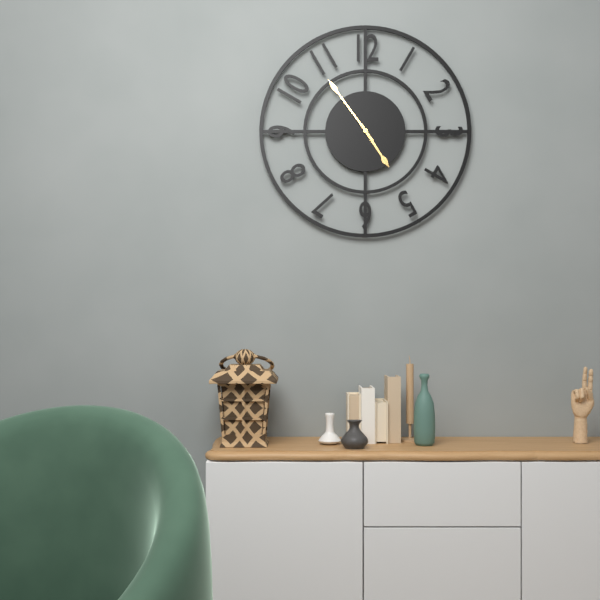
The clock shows 4h54
